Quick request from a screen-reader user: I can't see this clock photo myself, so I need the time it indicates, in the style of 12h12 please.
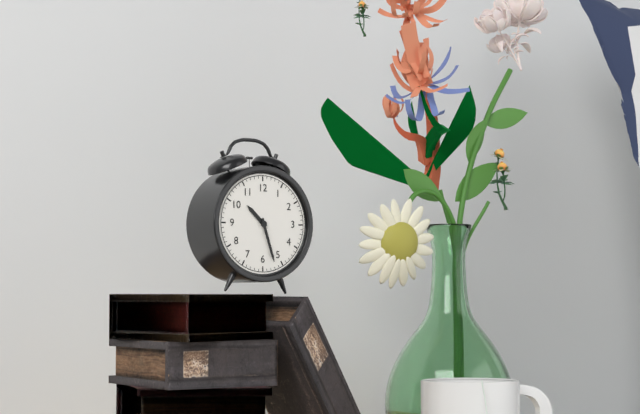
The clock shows 10h27
